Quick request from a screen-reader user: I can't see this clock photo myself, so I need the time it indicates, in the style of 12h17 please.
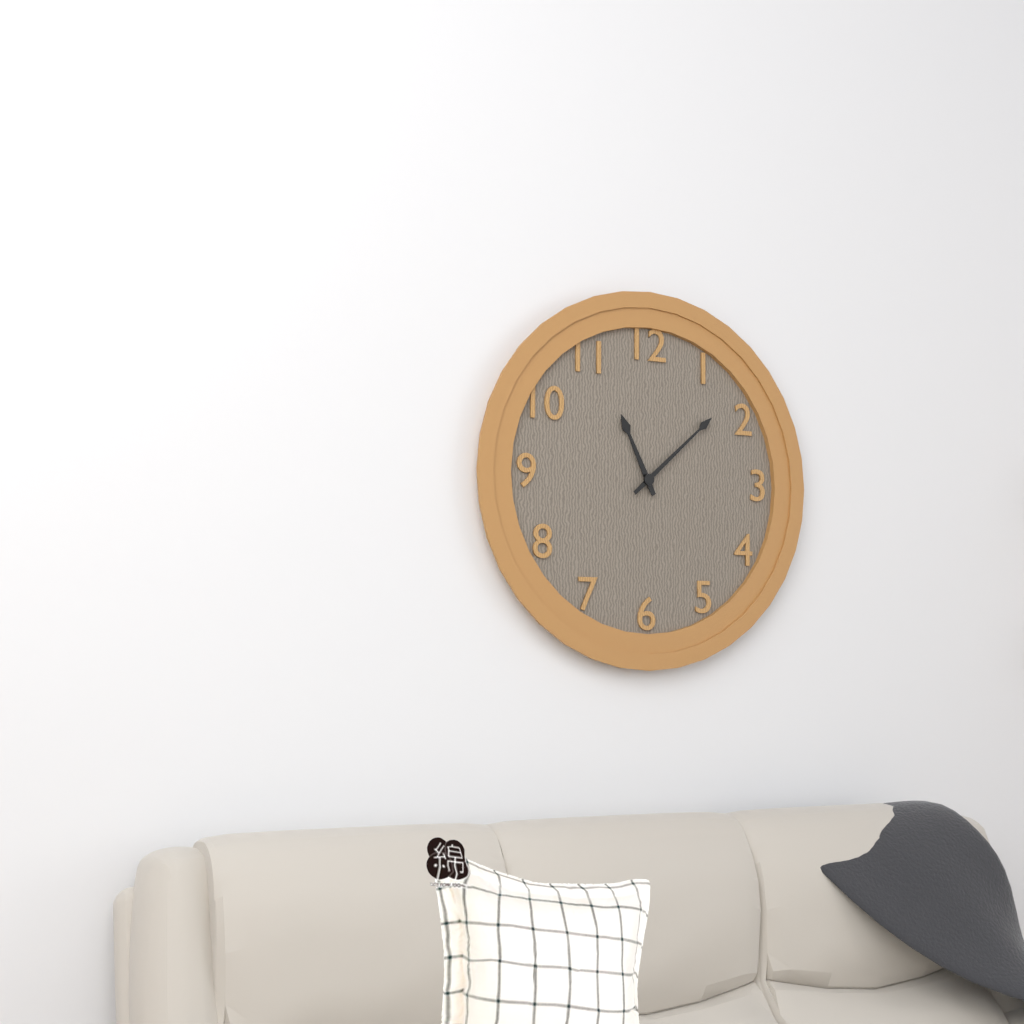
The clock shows 11h08
